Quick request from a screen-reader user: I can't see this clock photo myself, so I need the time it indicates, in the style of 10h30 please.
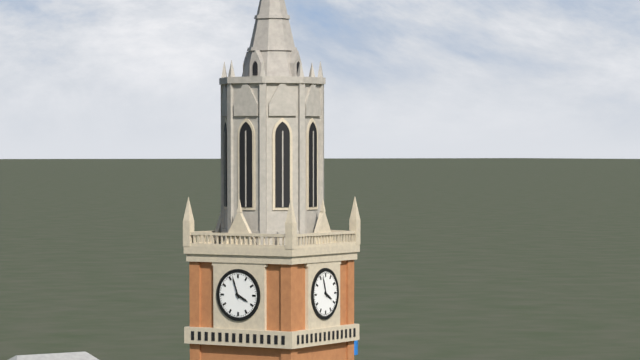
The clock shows 3h57
